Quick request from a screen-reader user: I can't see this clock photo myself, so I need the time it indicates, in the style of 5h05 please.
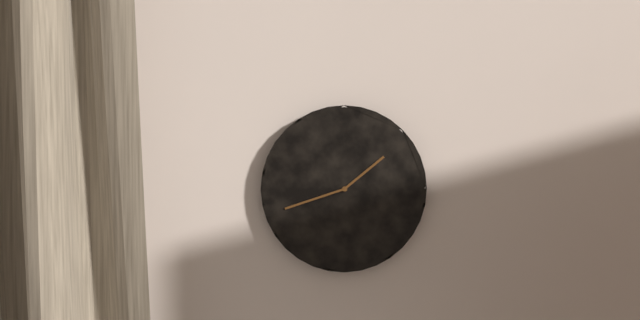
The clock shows 1h42
